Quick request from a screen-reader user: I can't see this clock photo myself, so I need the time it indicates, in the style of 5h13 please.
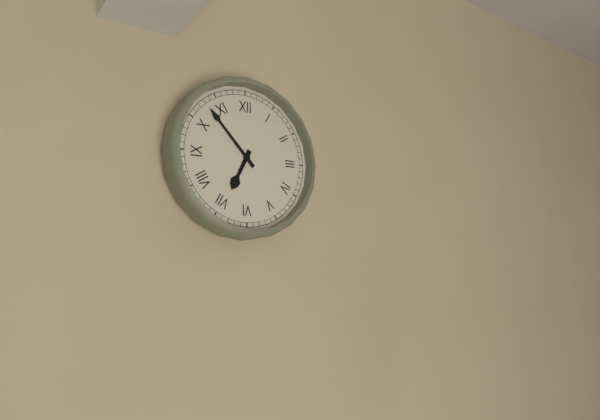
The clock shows 6h53
